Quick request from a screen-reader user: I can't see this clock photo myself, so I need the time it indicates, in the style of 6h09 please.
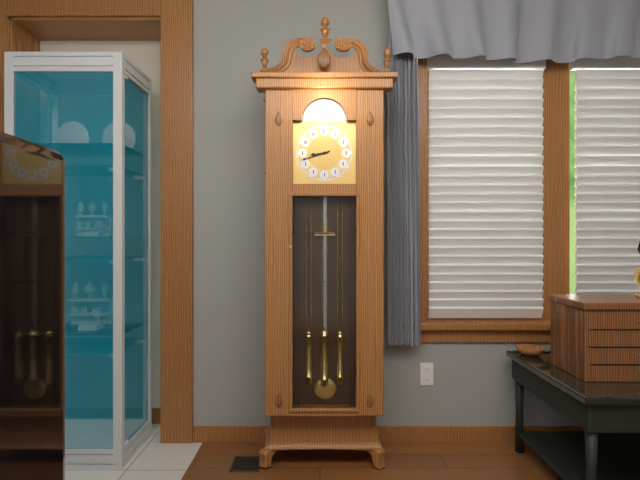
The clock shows 8h42
